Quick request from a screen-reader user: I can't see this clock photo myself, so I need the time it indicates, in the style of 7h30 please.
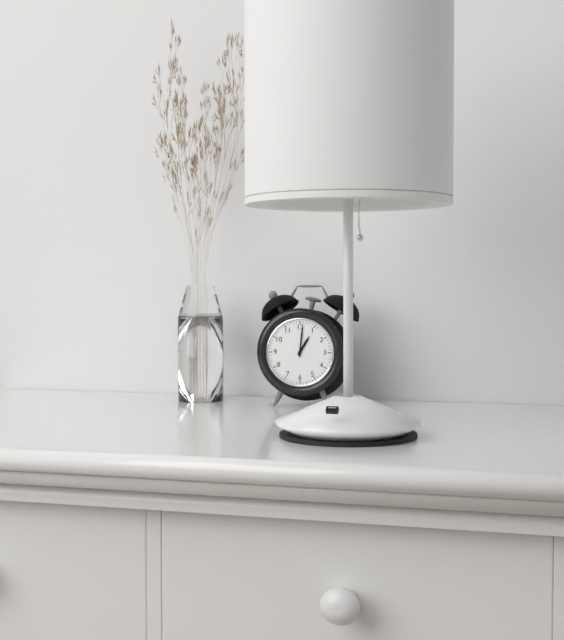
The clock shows 1h01
